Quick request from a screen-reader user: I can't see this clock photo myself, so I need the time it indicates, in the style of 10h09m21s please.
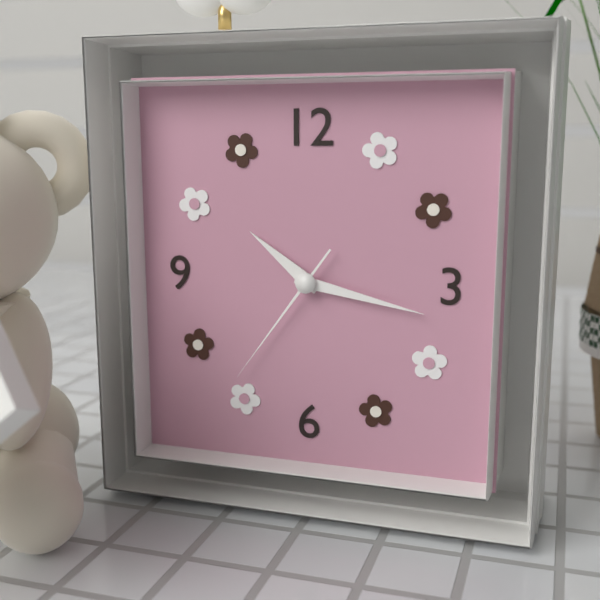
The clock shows 10h17m36s
